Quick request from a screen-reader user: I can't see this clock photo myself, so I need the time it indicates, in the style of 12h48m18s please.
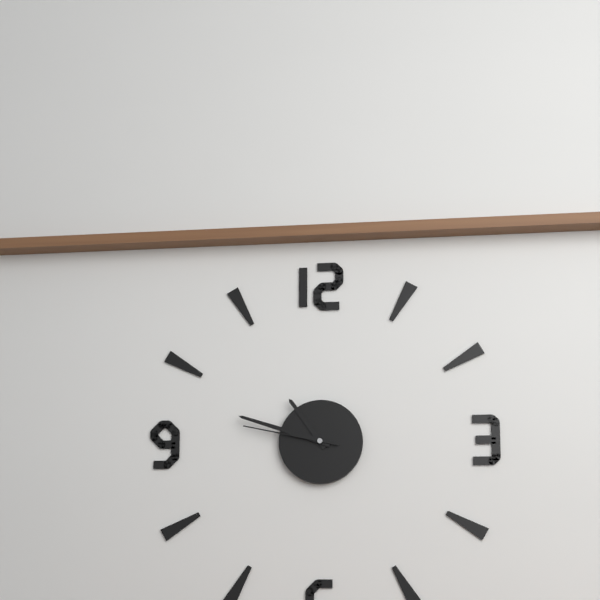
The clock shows 10h48m47s
